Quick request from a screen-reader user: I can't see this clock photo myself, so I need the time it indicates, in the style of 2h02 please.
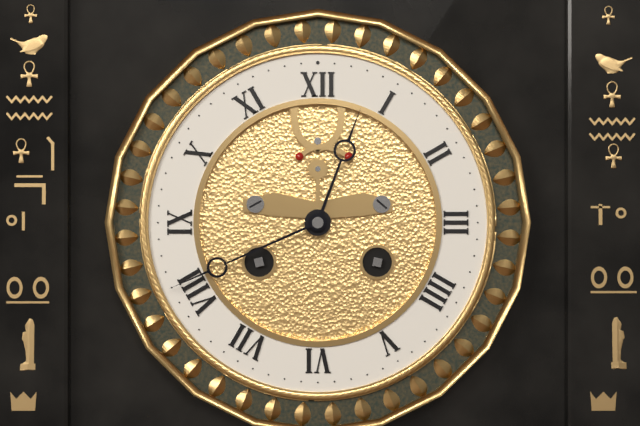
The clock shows 12h41
